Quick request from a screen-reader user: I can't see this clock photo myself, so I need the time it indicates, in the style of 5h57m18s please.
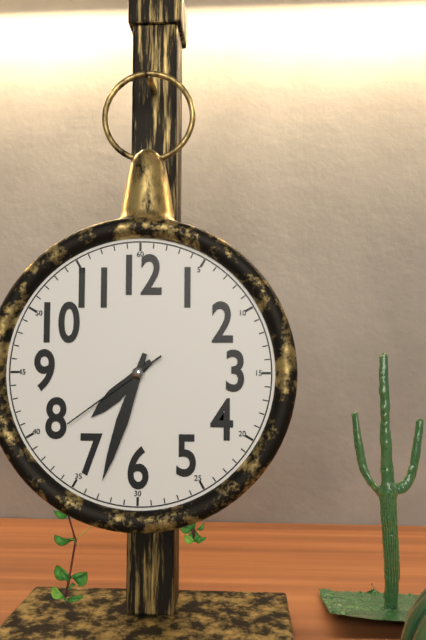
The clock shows 7h33m39s
